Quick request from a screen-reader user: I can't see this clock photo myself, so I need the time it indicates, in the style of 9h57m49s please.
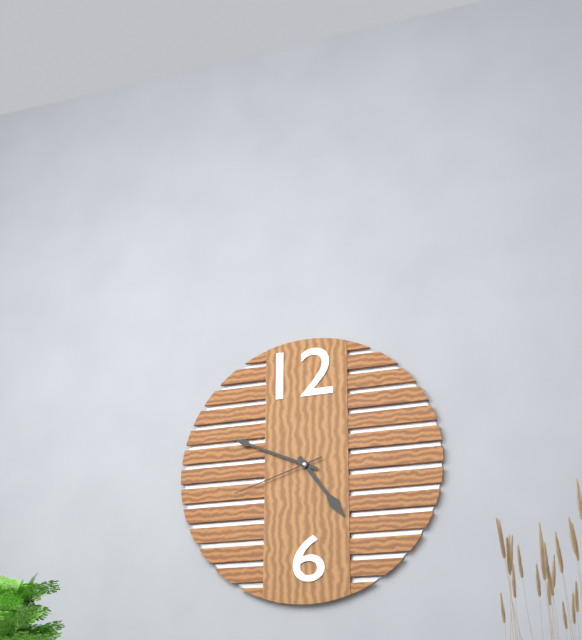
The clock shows 4h49m42s
